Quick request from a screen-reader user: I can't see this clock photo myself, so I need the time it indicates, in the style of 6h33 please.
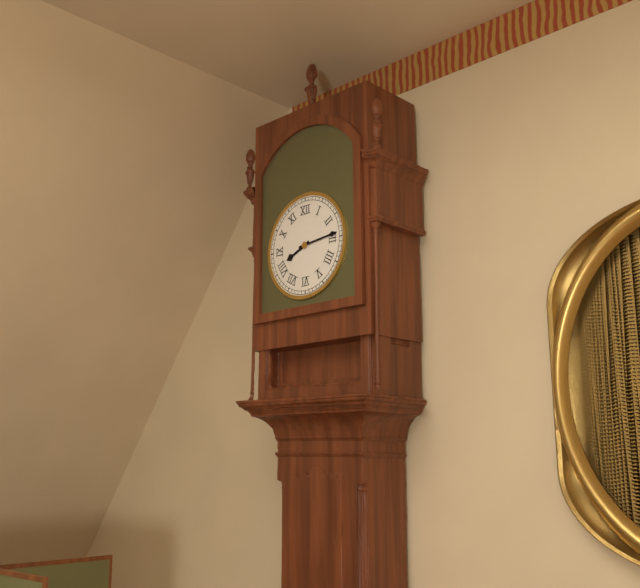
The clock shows 8h14
